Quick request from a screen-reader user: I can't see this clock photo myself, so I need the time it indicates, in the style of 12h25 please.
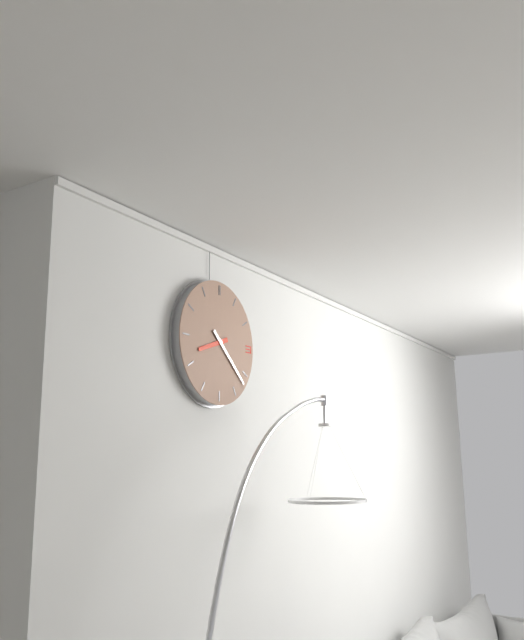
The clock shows 8h22
